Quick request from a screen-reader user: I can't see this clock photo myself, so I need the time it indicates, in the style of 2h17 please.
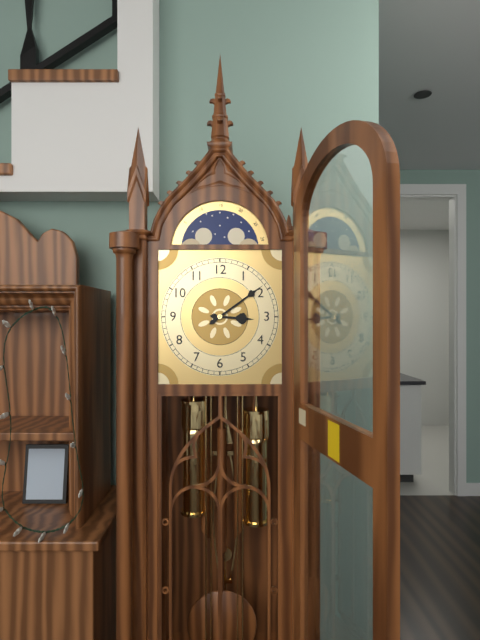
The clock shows 3h09
